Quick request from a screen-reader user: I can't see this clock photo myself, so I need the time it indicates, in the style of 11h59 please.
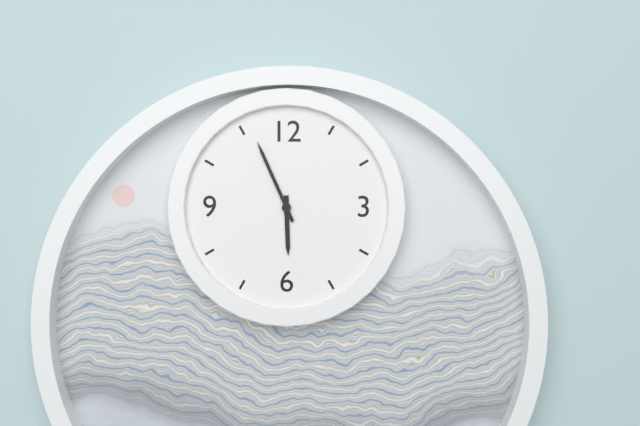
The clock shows 5h56
